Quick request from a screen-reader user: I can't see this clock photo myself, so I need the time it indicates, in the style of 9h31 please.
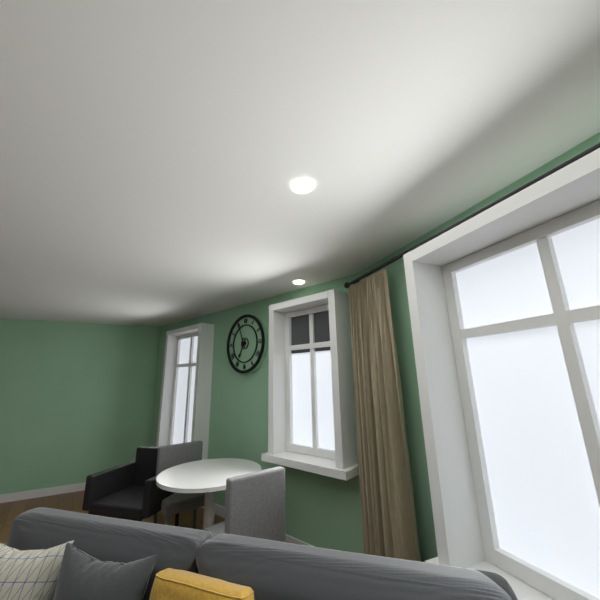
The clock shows 6h56
